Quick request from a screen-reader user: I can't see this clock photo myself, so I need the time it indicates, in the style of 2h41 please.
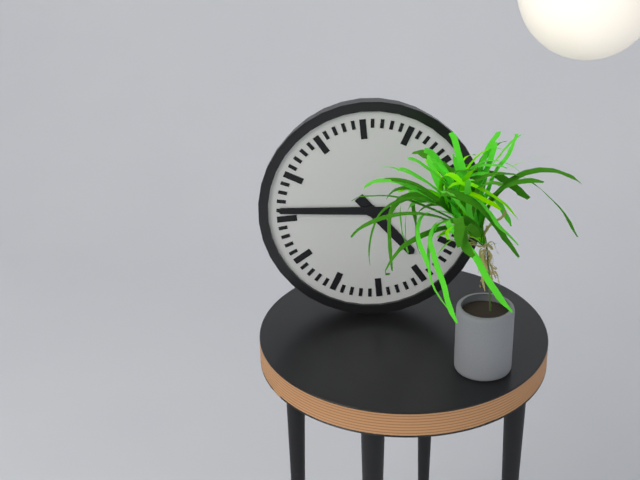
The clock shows 4h46
